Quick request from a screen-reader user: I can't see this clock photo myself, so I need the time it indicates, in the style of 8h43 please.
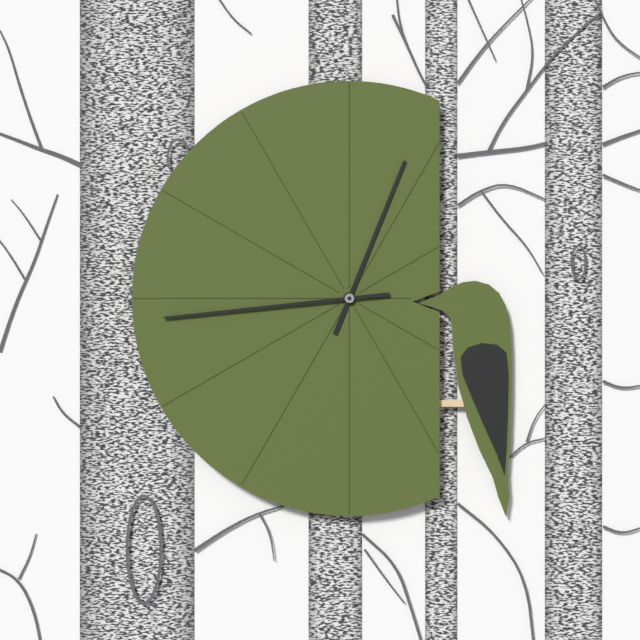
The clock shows 12h44
